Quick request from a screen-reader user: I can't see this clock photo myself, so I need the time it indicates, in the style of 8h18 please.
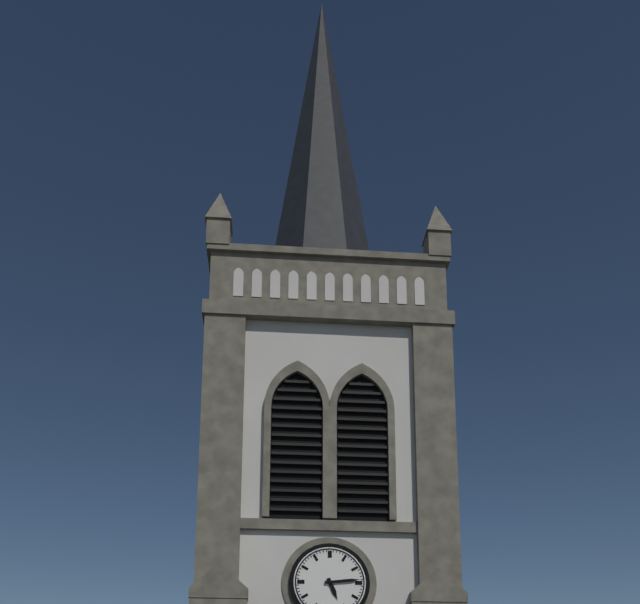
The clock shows 5h14
